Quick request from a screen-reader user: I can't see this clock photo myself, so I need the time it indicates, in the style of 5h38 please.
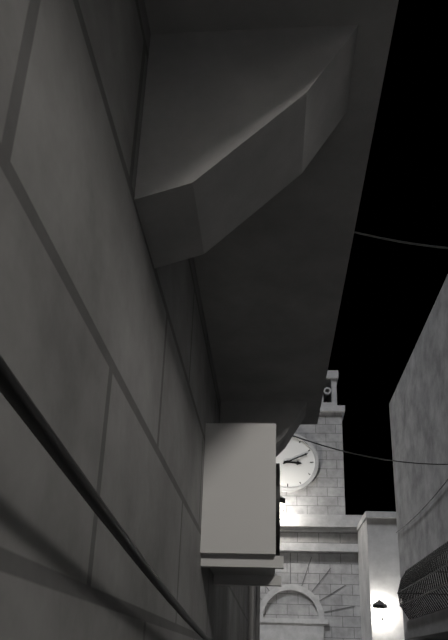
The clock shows 3h11
